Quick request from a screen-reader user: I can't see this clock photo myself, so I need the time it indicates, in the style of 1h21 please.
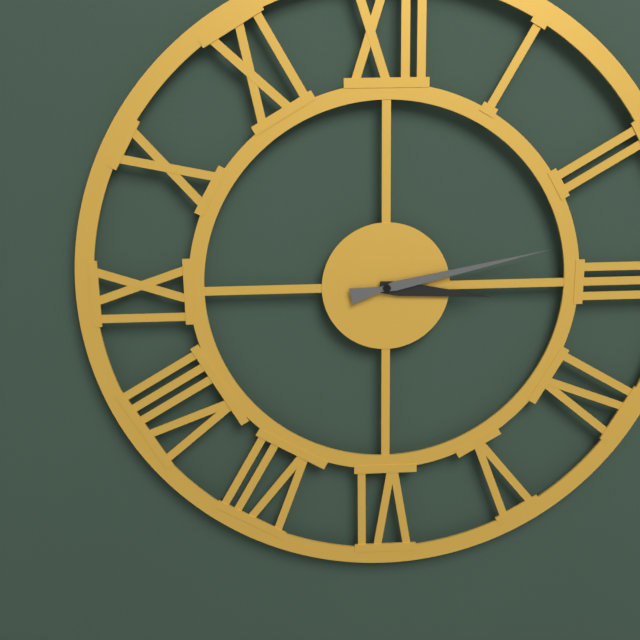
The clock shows 3h13
